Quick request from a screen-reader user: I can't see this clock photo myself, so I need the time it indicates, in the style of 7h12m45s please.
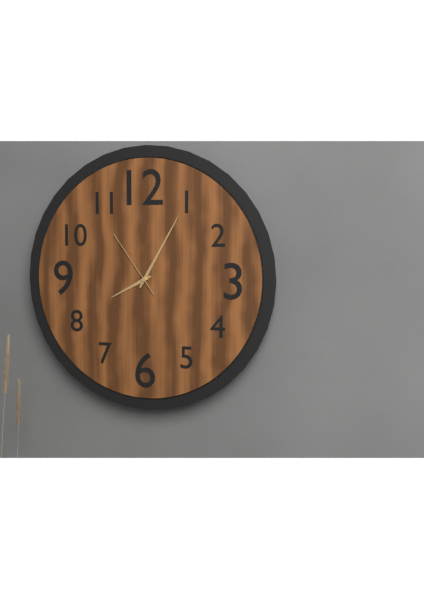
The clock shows 8h05m54s
